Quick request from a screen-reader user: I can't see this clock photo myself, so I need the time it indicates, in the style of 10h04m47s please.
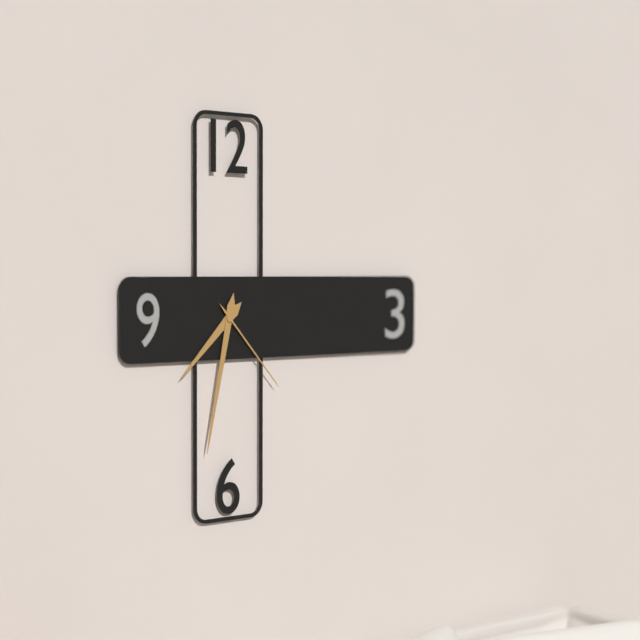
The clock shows 7h32m23s
